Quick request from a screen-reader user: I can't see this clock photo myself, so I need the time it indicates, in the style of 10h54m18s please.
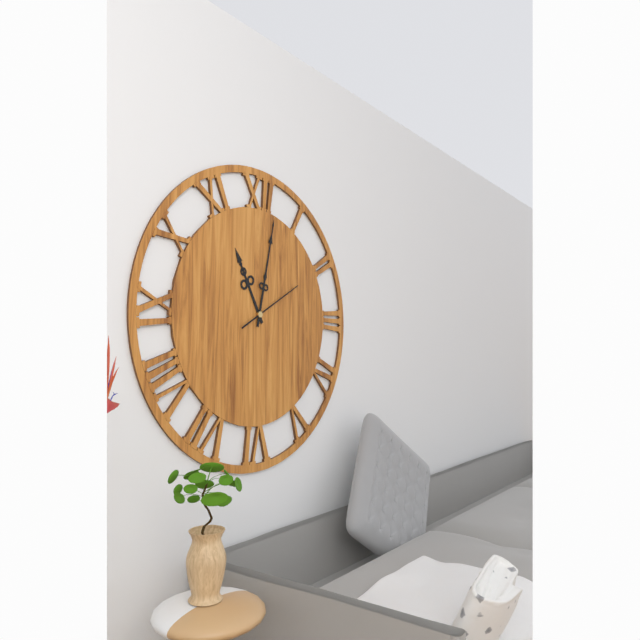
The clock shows 11h02m10s
